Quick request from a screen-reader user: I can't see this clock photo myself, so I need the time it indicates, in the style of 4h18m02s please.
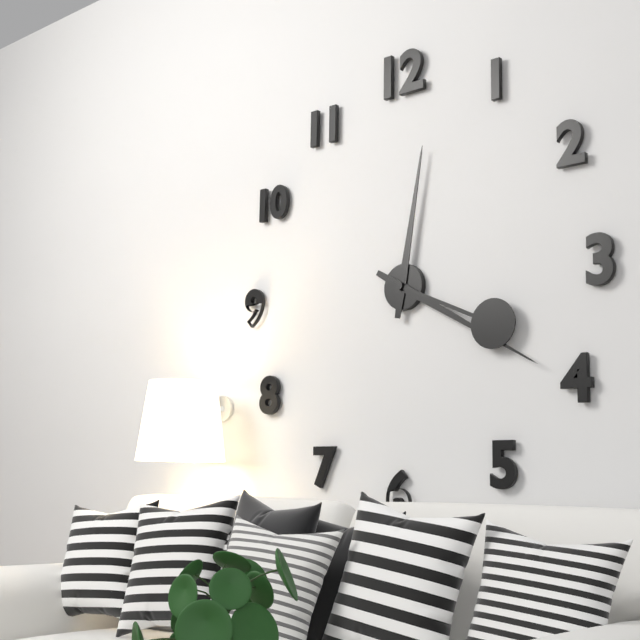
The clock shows 12h20m19s
